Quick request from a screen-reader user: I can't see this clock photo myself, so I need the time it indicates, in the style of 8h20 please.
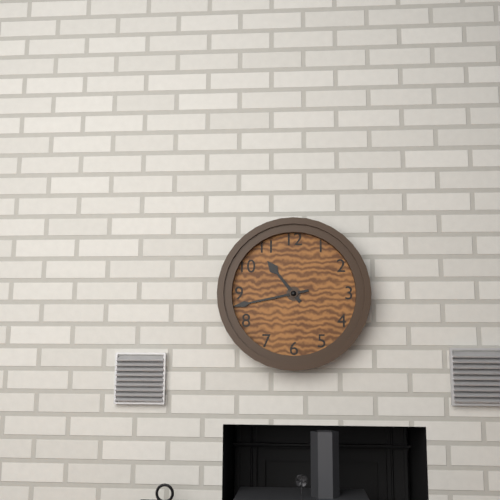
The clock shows 10h43
